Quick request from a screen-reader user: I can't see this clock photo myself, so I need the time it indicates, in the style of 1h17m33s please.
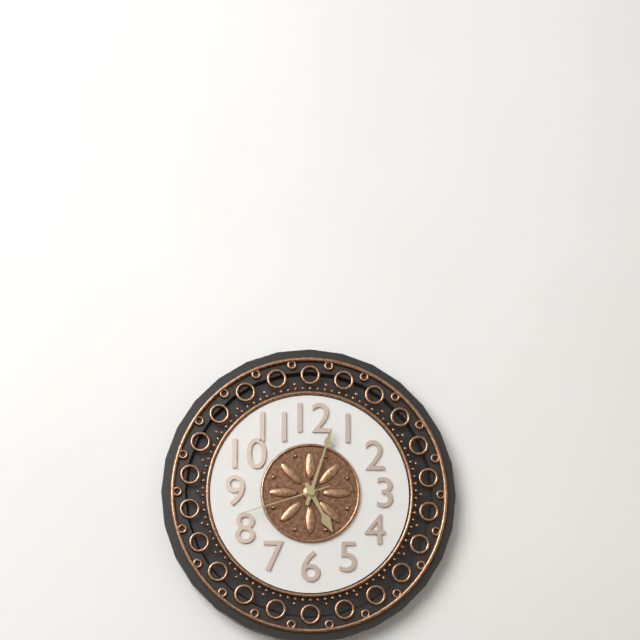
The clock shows 5h03m42s
